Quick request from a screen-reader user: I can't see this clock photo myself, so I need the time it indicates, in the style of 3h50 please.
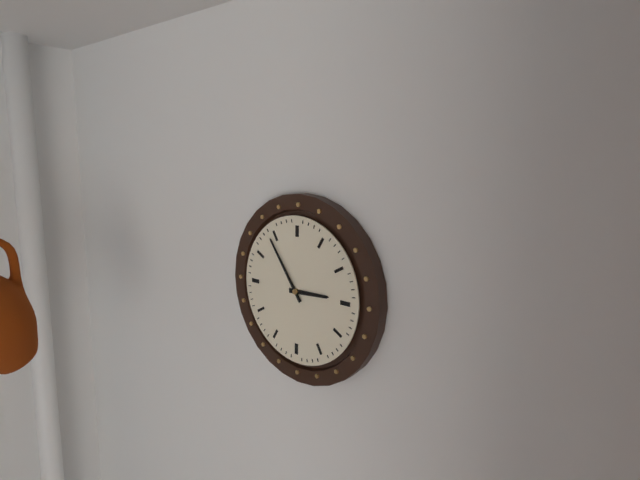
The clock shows 2h54
